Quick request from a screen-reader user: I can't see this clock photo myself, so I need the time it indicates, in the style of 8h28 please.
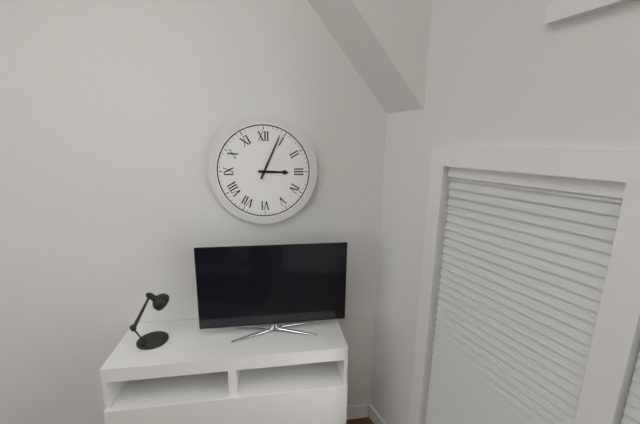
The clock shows 3h04
